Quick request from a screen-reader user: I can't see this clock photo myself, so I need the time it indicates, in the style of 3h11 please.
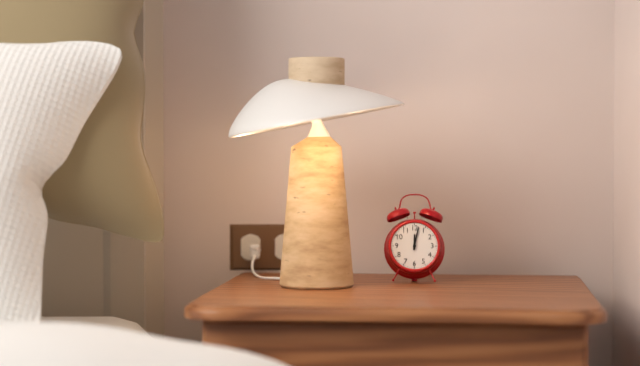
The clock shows 12h02
